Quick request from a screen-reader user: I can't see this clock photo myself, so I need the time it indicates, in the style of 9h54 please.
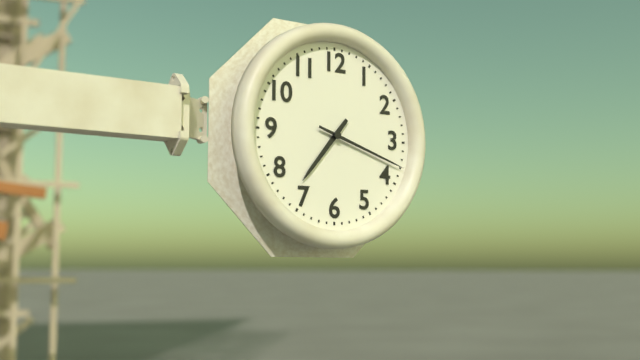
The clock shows 7h18
